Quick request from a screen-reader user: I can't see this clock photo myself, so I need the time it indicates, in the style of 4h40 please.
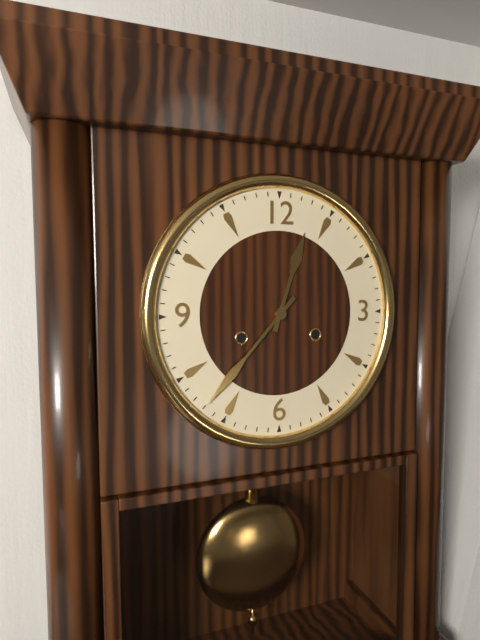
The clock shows 12h37
